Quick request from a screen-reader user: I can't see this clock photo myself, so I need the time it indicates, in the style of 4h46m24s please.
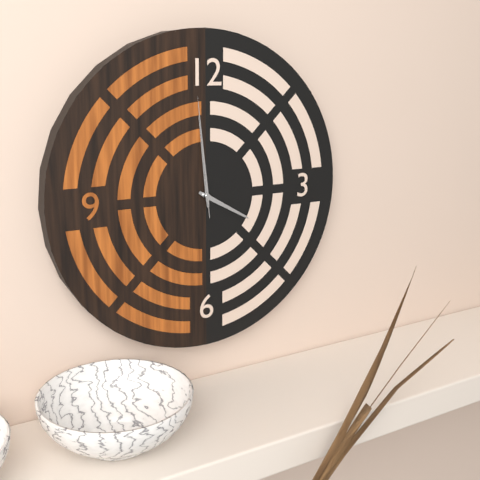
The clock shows 3h59m59s
